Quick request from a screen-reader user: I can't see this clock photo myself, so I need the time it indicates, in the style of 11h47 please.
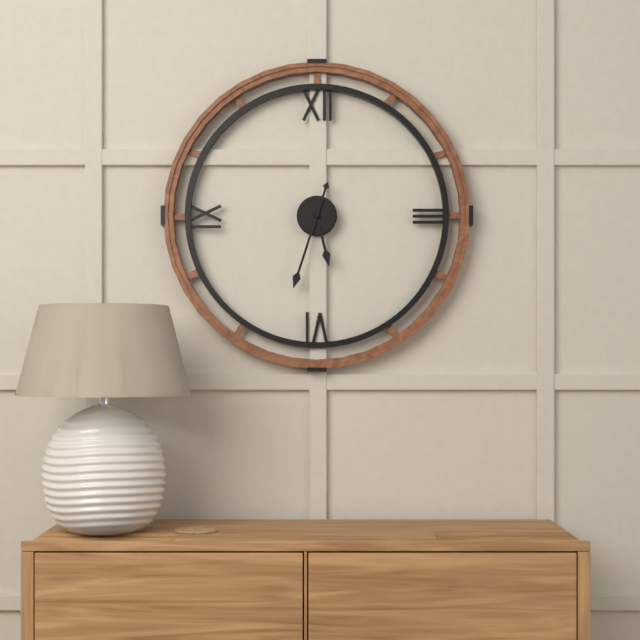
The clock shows 5h33
